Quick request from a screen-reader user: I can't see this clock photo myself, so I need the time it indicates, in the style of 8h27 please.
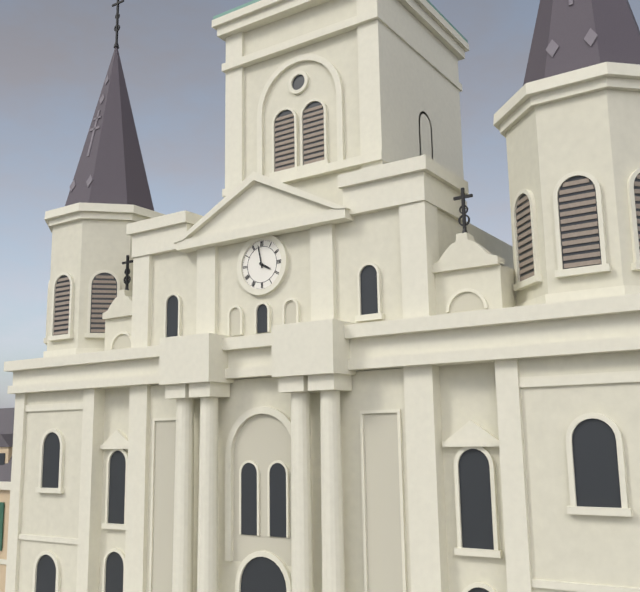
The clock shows 3h58
